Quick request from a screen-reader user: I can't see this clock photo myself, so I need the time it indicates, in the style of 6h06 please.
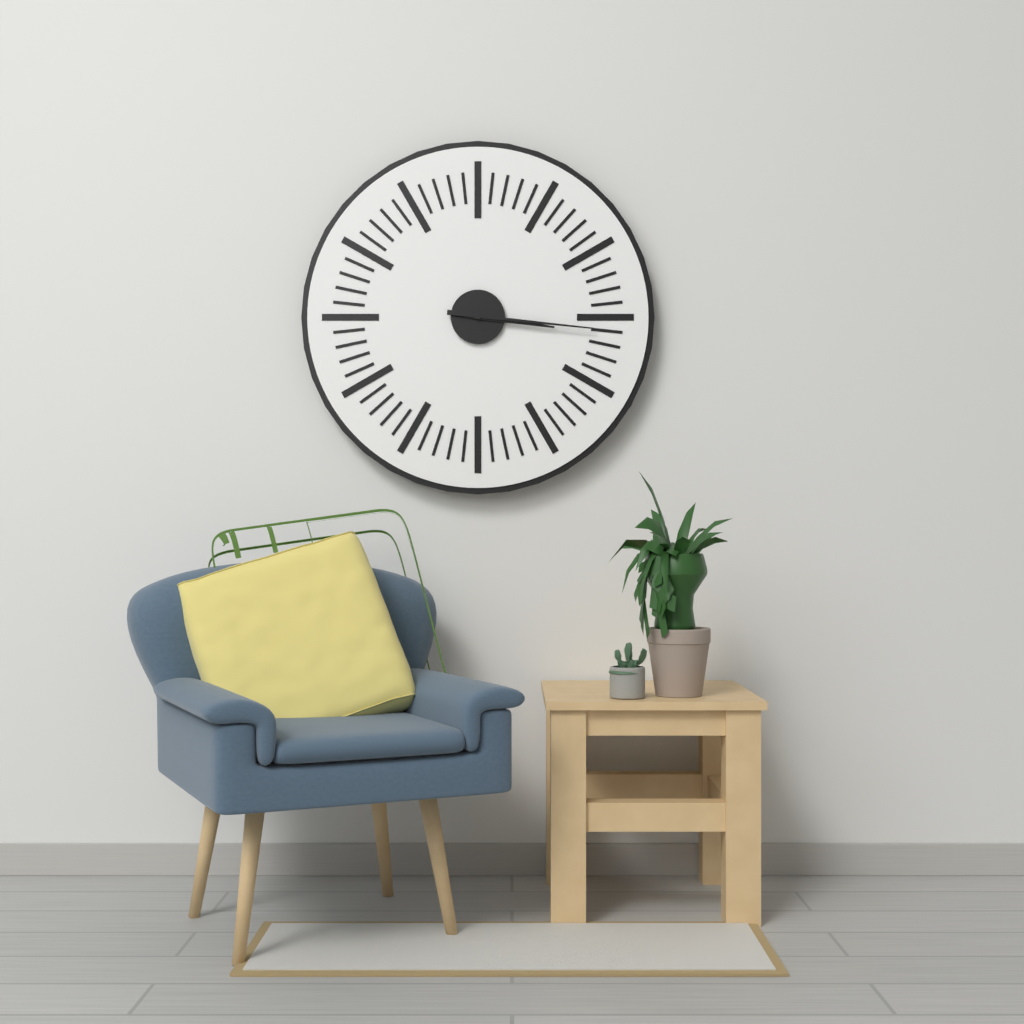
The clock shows 3h16
